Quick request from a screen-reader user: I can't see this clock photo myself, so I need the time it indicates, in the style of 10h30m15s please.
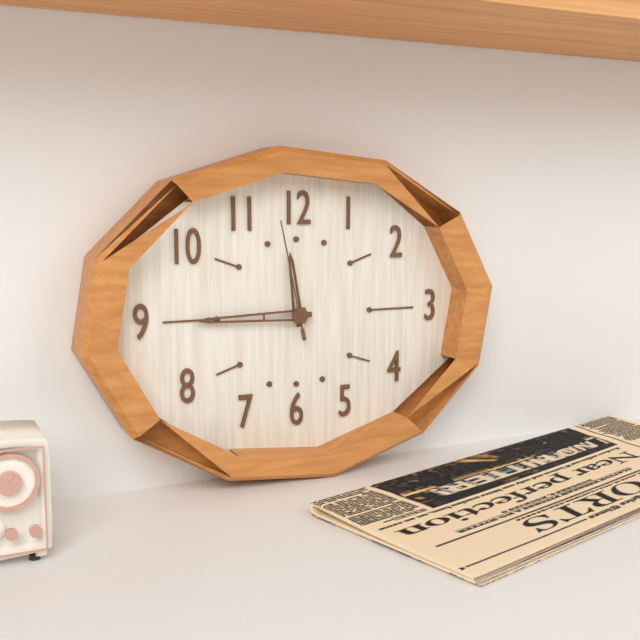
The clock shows 11h45m58s
